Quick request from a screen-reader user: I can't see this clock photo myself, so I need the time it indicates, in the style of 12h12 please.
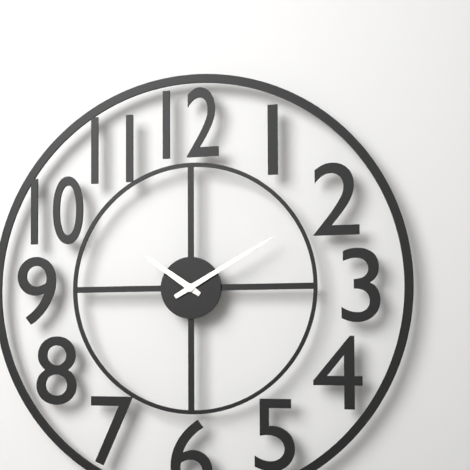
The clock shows 10h10
